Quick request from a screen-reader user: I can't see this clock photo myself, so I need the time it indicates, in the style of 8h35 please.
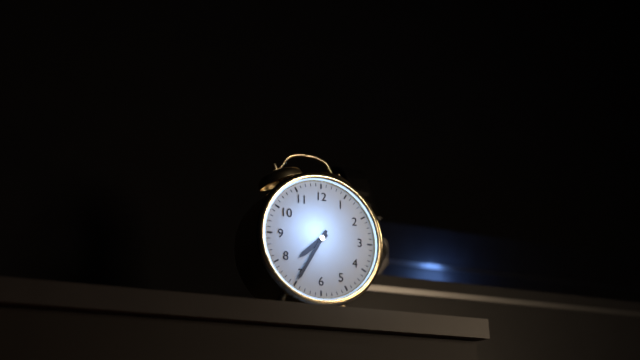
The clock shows 7h35
